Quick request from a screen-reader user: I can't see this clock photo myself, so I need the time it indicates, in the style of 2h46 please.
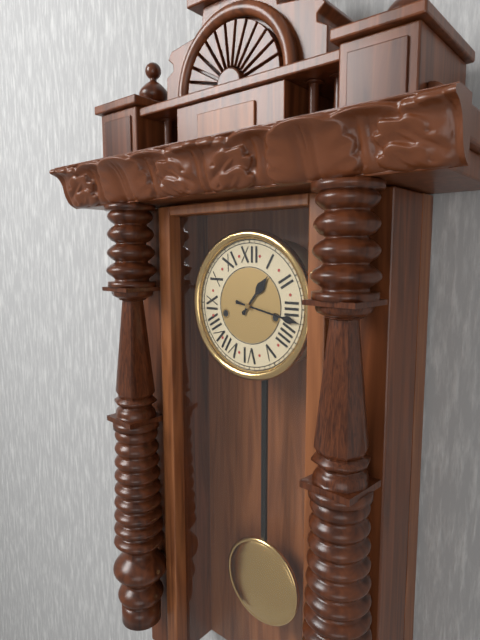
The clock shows 1h17
